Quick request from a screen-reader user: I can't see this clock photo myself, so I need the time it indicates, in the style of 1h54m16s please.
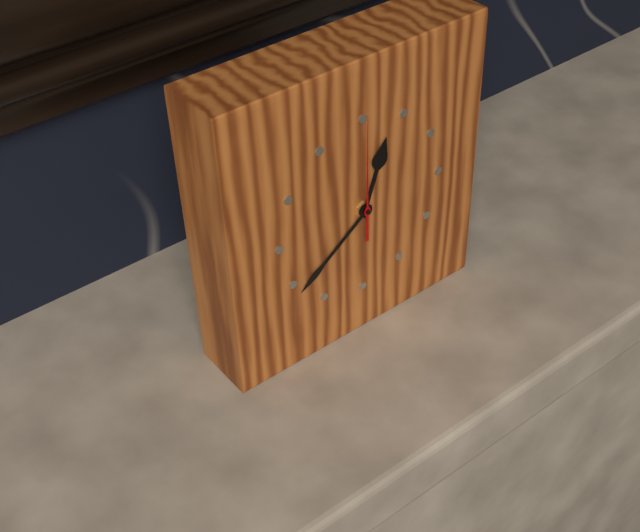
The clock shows 12h39m00s
